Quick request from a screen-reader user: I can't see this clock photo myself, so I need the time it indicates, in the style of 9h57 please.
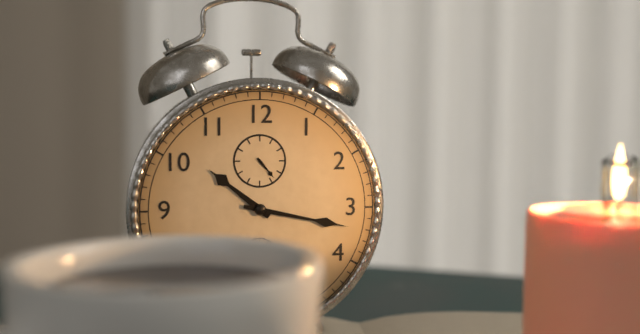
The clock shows 10h17
